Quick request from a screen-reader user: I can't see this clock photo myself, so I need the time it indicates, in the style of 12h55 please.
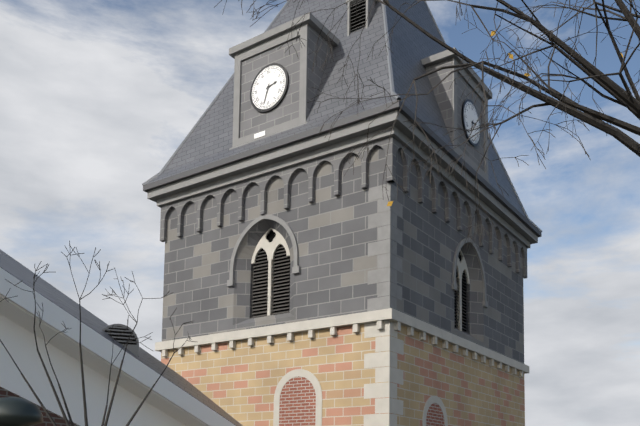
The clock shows 2h33
